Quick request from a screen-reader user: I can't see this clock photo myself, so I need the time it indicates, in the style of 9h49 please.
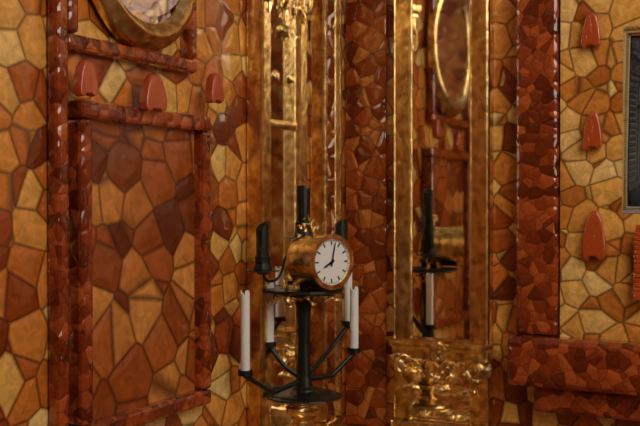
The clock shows 8h02
